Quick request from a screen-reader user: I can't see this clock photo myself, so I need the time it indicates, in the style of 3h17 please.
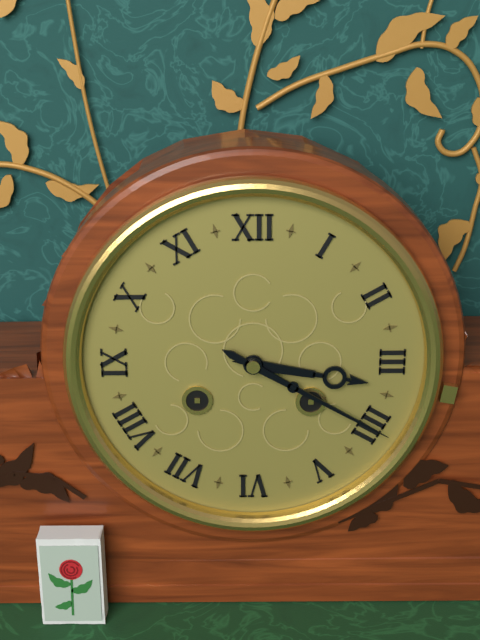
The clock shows 3h20
